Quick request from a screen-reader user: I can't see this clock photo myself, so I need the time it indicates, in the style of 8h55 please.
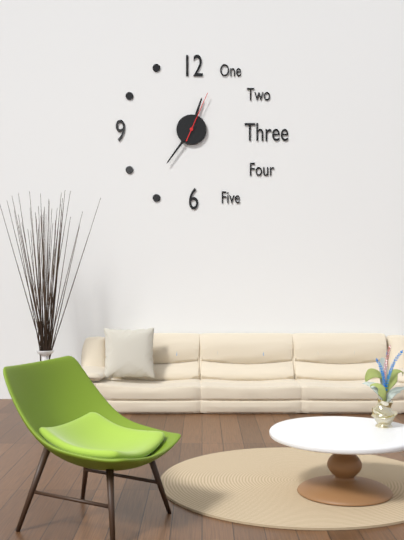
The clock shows 12h36
